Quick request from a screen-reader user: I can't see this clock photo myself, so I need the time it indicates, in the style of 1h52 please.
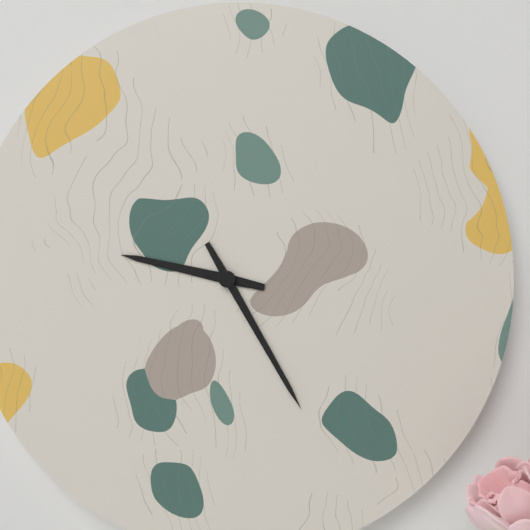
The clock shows 9h25
